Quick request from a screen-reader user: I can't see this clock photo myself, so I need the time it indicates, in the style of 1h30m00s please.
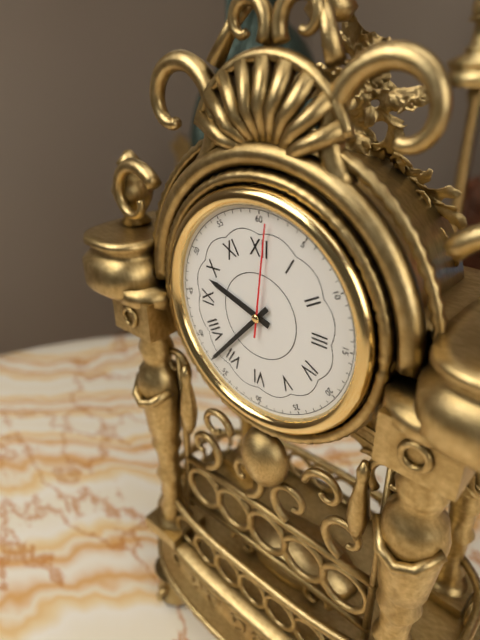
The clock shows 9h37m01s
